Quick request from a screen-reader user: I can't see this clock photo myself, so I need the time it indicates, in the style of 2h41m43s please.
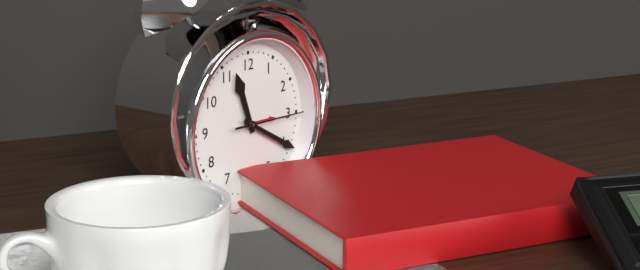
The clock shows 11h20m15s
